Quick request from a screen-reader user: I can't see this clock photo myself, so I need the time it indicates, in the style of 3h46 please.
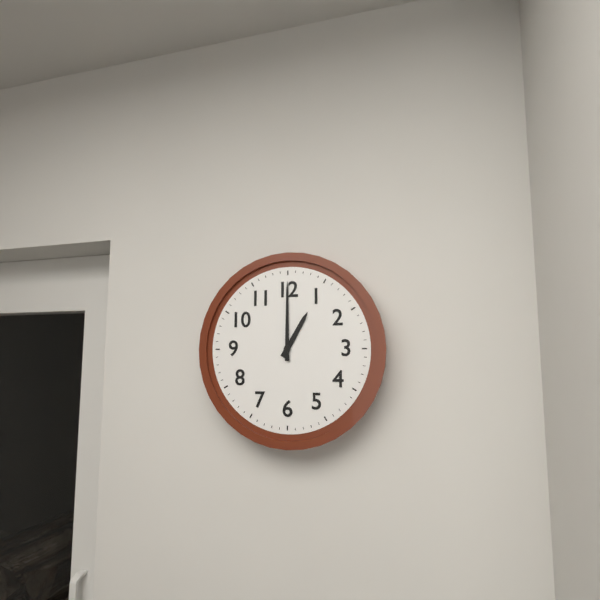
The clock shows 1h00
